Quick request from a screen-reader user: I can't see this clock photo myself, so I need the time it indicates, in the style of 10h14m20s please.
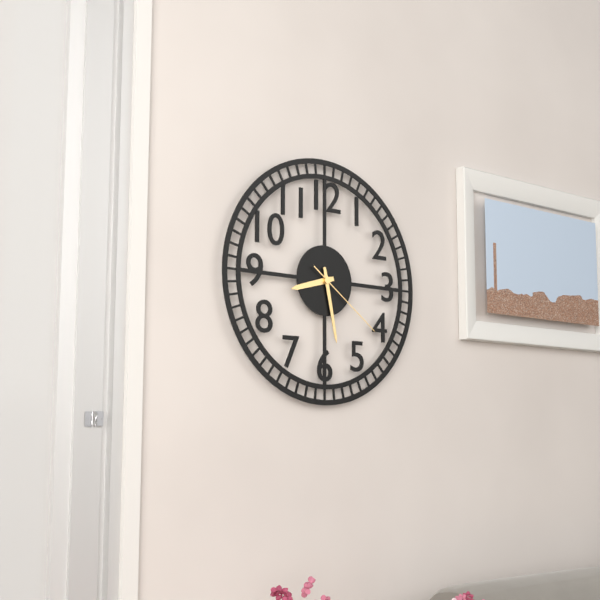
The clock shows 8h28m21s
